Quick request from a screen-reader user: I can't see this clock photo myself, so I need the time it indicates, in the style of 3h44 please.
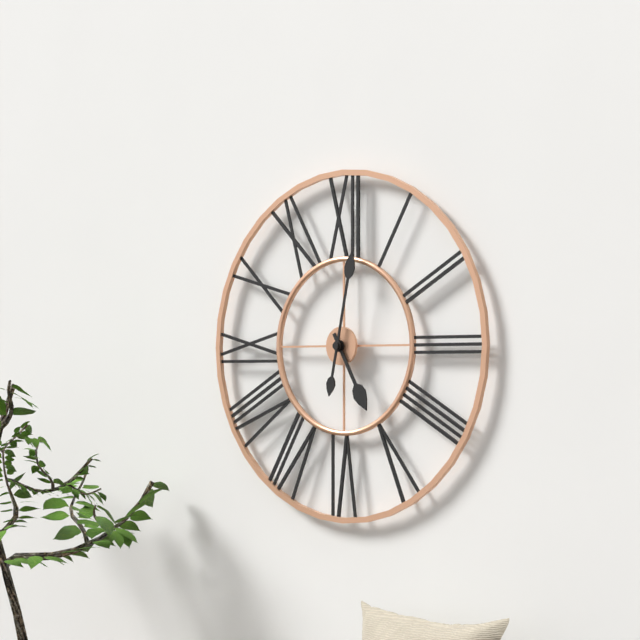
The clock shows 5h02
